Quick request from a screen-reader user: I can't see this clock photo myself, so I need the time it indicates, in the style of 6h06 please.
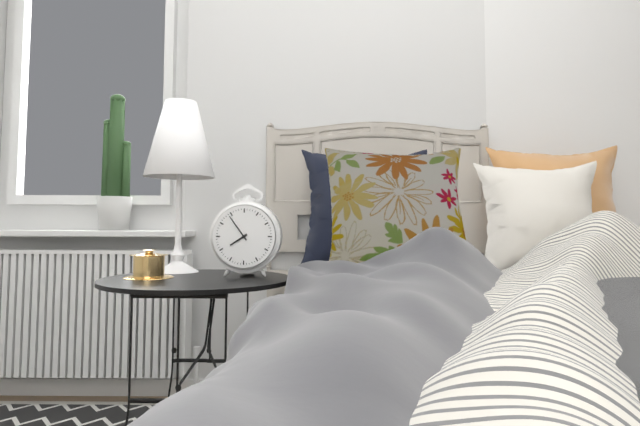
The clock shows 7h54
